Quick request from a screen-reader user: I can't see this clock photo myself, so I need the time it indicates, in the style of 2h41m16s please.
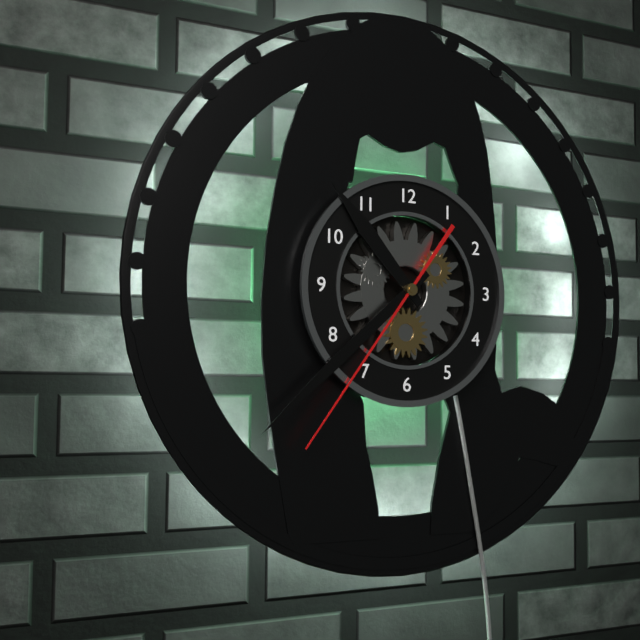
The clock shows 10h38m36s
